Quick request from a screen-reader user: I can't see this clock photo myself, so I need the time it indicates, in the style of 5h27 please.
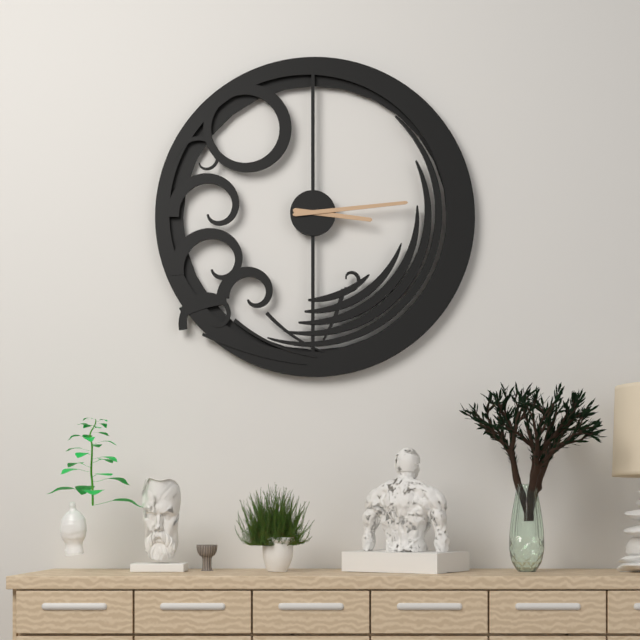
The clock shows 3h14
